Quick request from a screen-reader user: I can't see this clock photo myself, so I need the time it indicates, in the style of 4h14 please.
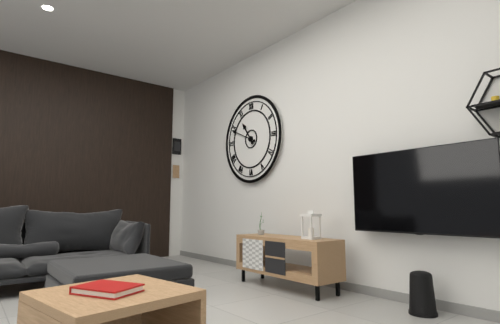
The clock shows 10h49
